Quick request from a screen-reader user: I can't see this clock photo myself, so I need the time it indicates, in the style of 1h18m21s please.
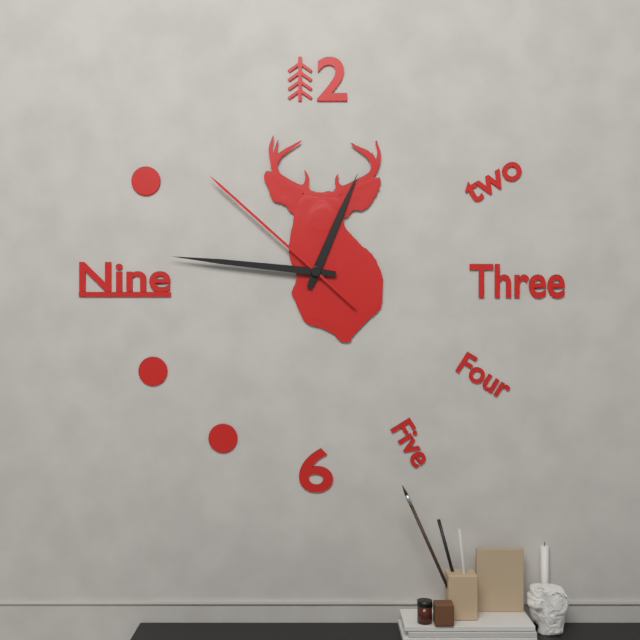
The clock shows 12h46m52s
